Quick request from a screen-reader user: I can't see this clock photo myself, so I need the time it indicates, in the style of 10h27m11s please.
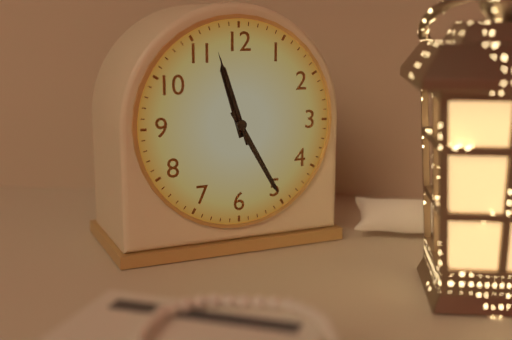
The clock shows 11h25m57s
